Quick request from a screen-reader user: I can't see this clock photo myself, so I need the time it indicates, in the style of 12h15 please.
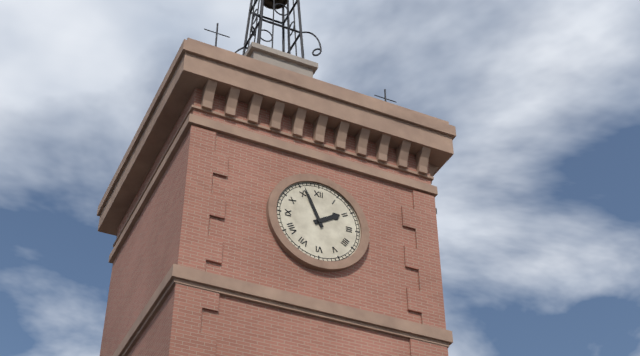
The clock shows 1h56
